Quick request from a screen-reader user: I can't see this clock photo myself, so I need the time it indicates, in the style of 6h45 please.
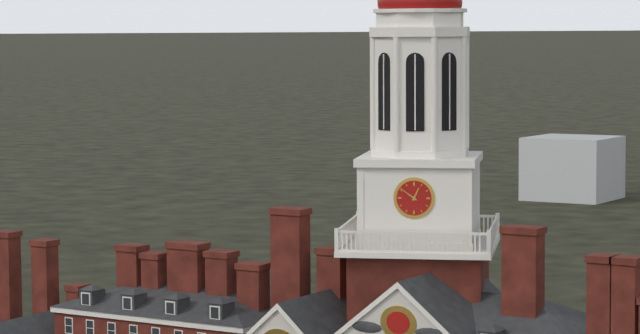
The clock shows 12h51
